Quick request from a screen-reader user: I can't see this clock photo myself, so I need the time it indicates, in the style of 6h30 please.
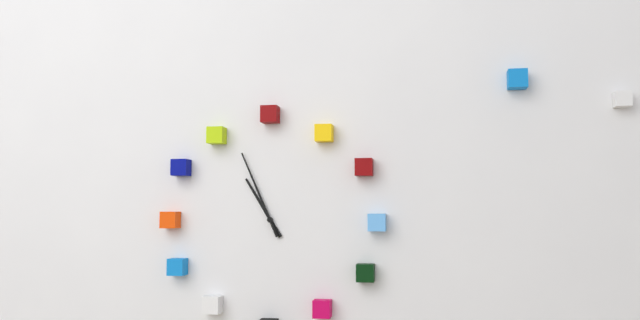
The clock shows 10h56
